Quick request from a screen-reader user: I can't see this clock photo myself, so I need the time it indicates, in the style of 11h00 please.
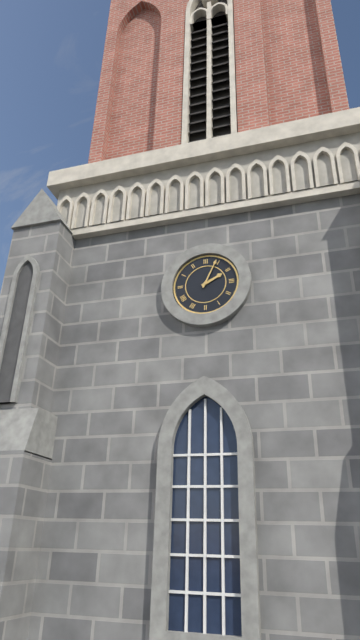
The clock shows 2h04
